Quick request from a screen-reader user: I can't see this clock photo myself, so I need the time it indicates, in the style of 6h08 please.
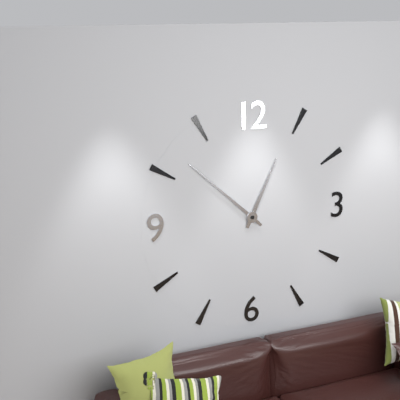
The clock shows 12h52
